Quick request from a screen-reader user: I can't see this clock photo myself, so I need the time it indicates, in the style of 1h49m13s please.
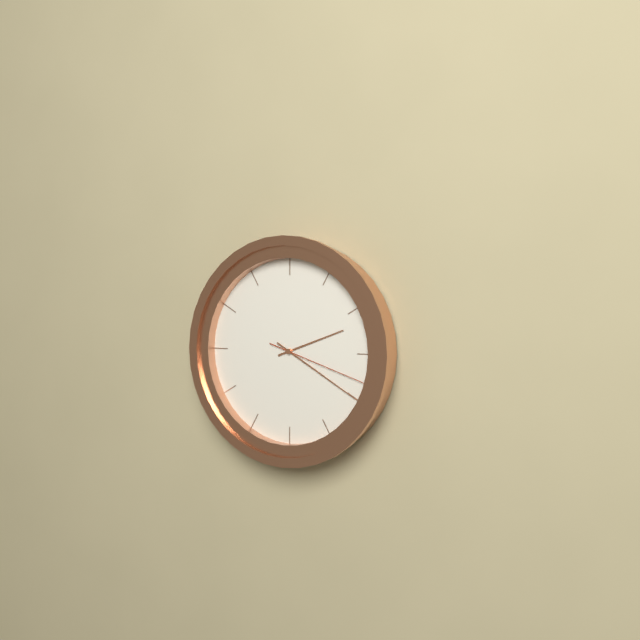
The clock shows 2h20m18s
